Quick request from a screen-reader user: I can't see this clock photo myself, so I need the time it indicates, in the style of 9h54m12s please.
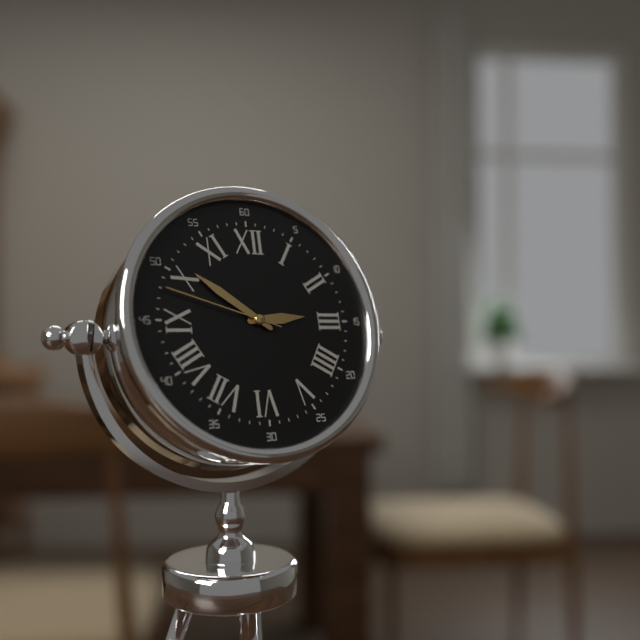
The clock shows 2h51m48s
